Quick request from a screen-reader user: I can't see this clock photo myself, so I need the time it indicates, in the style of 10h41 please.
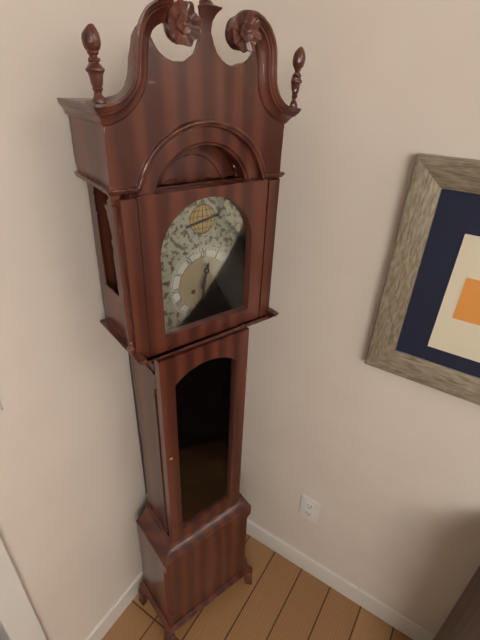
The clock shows 12h31
